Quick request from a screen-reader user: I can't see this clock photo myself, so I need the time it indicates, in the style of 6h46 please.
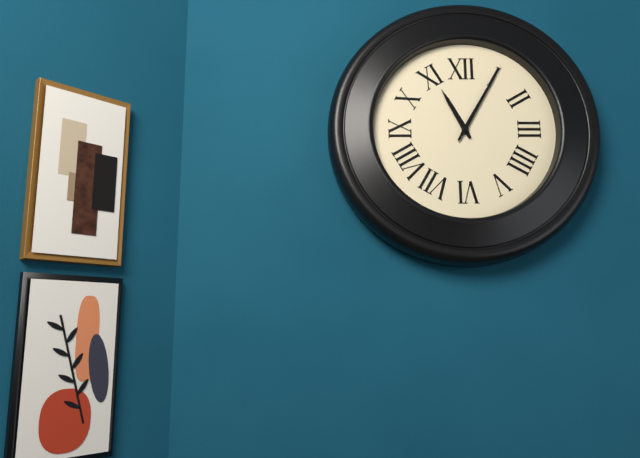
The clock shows 11h05
